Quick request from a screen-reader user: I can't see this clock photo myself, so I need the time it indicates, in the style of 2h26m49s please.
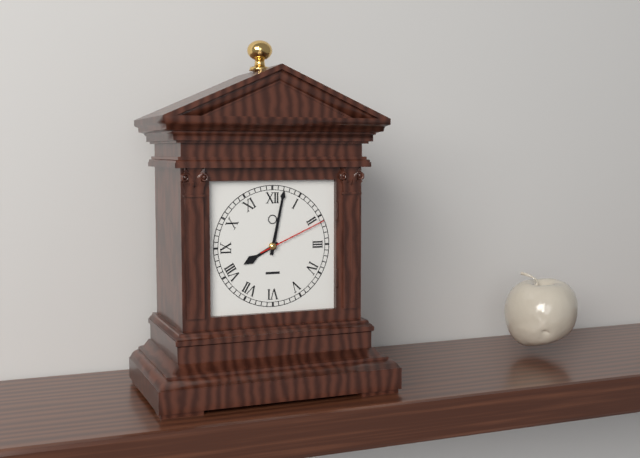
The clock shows 8h02m11s
